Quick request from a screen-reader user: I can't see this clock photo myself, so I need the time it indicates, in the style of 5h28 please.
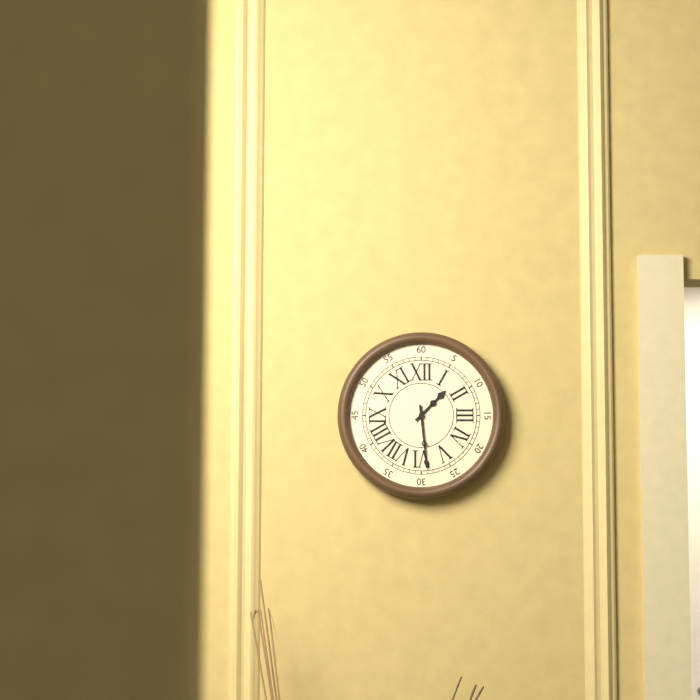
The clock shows 1h29
